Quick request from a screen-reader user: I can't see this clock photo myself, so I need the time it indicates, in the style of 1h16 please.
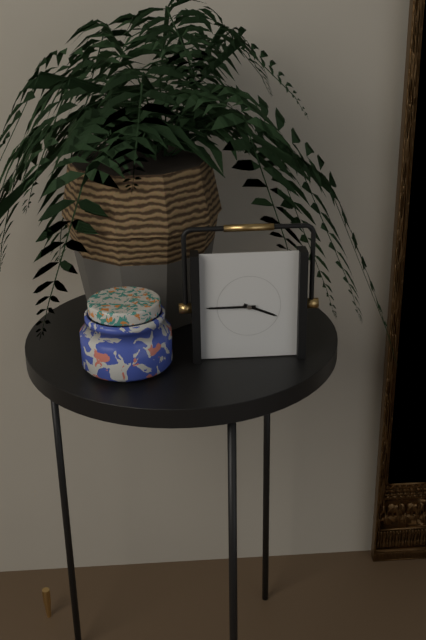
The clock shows 3h45
